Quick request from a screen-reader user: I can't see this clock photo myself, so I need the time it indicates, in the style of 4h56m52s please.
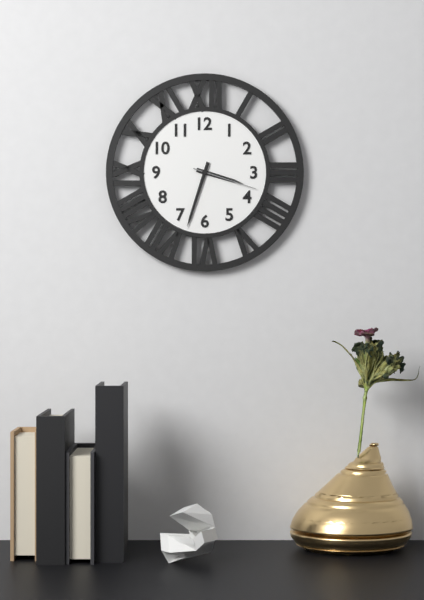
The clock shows 3h33m18s
